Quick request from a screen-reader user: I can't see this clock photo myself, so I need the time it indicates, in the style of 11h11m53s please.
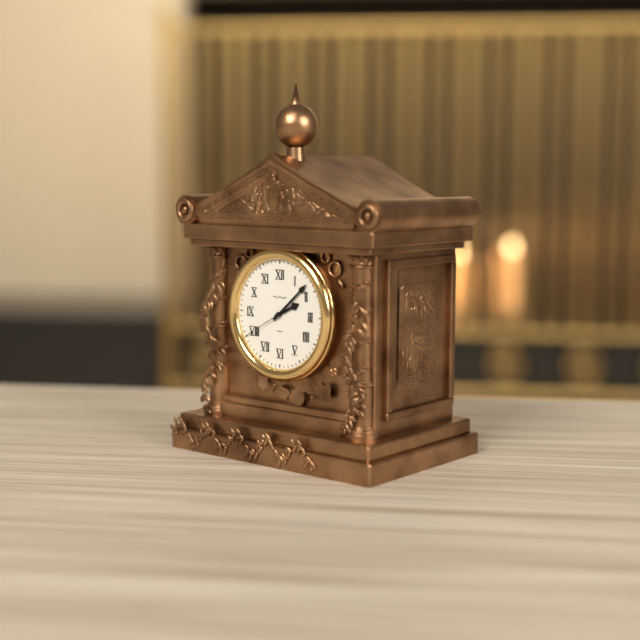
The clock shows 2h08m40s
